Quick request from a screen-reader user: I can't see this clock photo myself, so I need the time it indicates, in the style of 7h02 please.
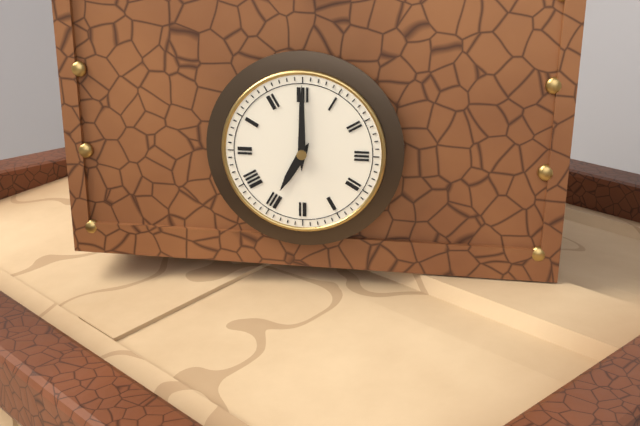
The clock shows 7h00
